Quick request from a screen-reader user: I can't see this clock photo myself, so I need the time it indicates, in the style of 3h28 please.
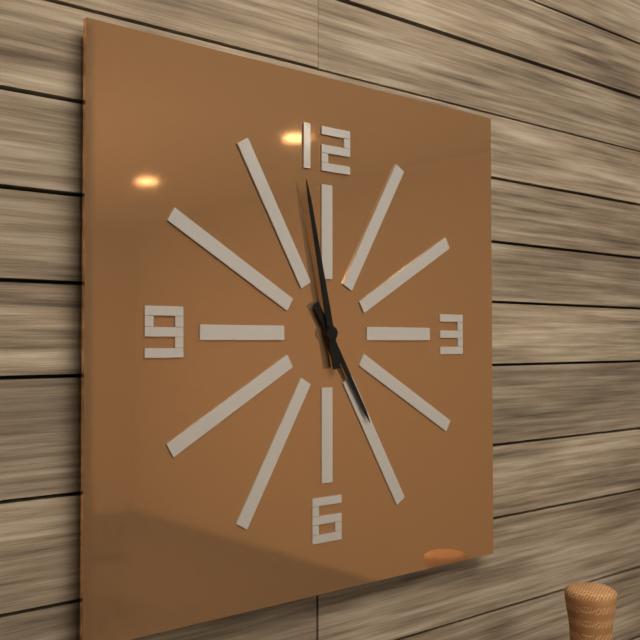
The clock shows 4h58
